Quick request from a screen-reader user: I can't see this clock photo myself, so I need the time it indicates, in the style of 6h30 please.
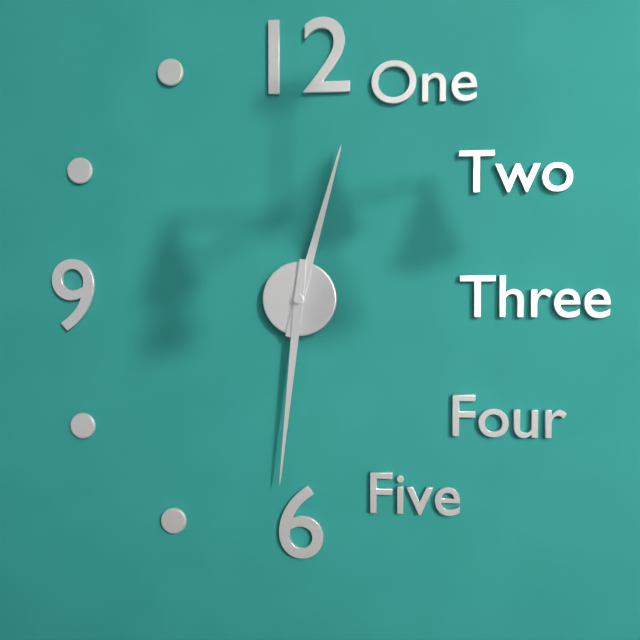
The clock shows 12h31
